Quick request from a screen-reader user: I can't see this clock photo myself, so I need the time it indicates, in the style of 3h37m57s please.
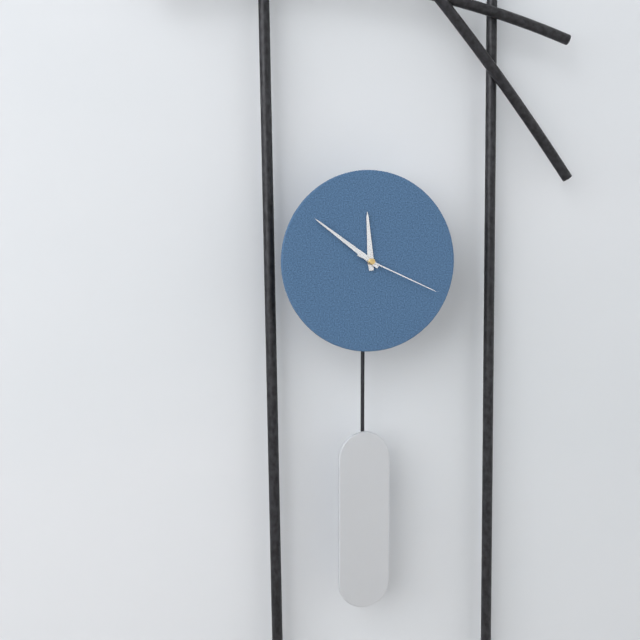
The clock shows 11h51m19s
